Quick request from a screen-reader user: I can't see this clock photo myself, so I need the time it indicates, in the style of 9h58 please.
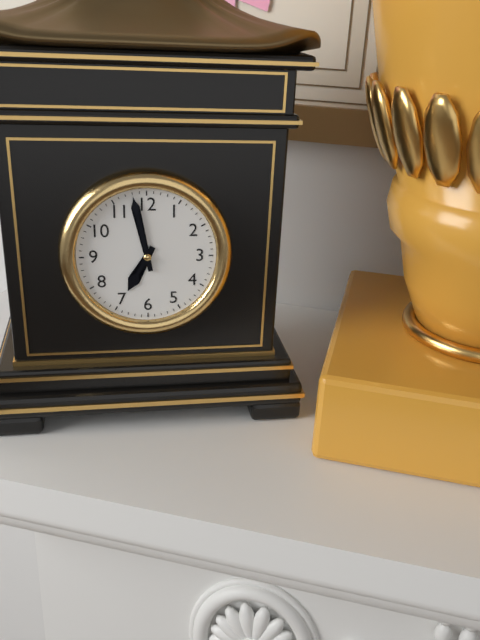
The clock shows 6h58
